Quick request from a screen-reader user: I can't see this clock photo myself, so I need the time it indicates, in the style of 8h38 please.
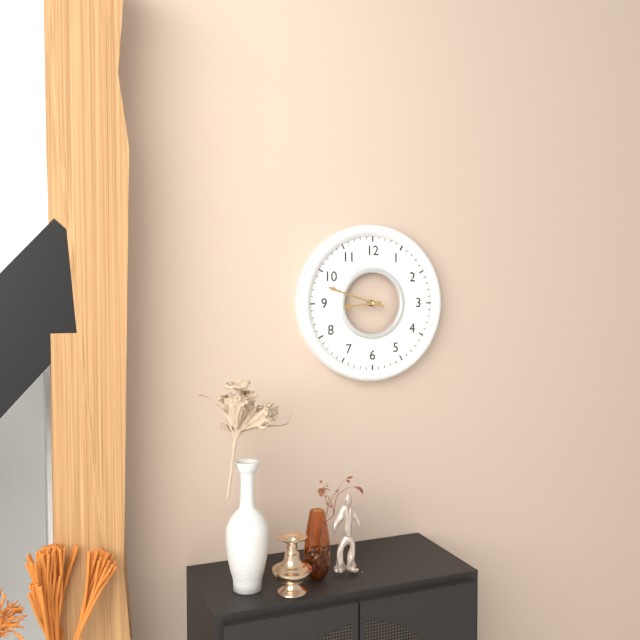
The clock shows 8h48
